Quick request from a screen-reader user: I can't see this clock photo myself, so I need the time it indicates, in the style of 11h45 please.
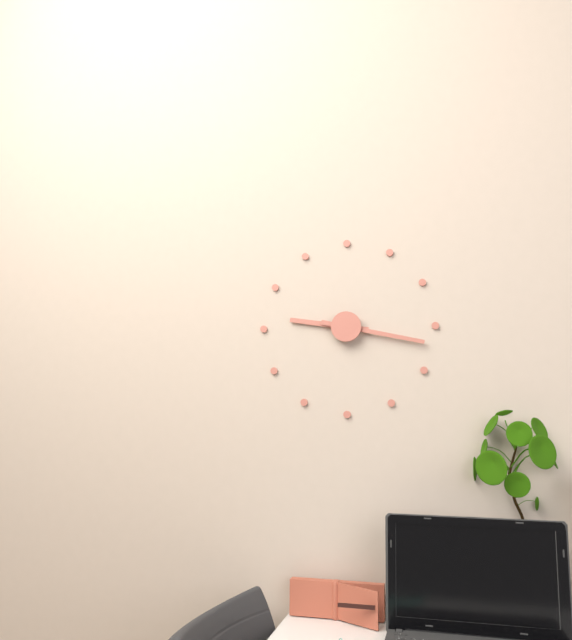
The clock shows 9h17
